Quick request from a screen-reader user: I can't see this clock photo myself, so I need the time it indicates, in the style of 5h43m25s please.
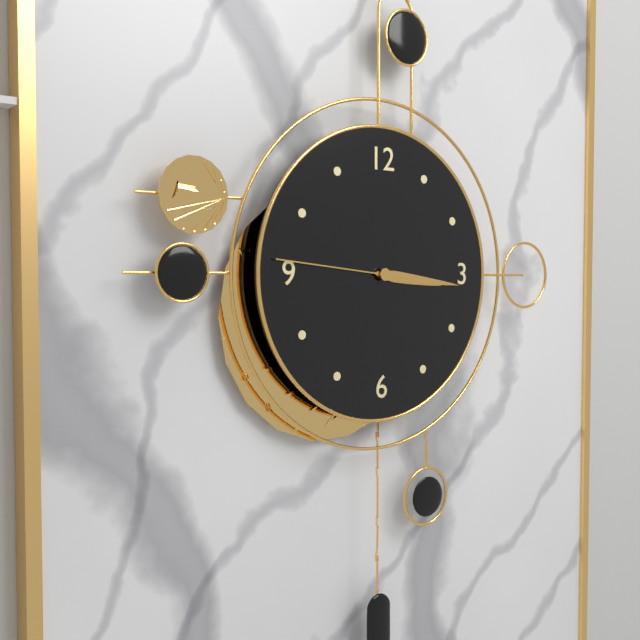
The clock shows 3h16m46s
